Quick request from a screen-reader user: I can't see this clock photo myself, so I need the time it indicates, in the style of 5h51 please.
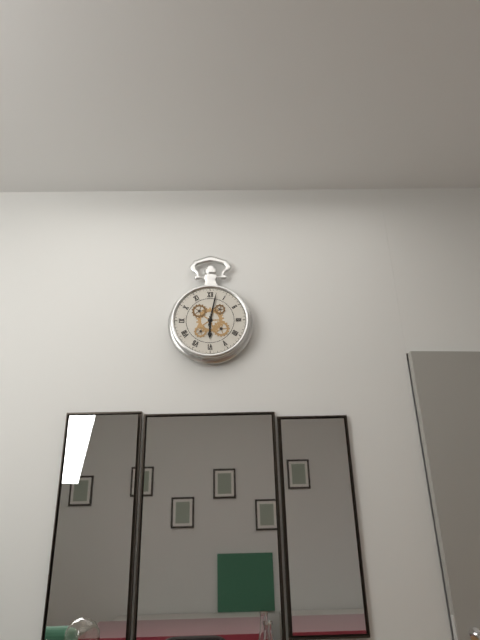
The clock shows 6h02
